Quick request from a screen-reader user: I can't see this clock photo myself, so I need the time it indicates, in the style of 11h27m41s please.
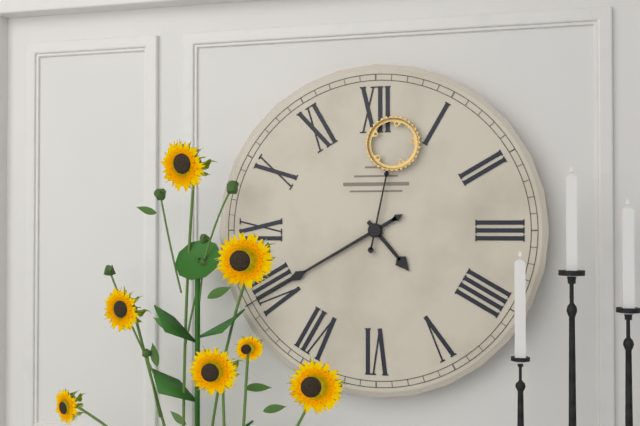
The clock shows 4h40m02s
